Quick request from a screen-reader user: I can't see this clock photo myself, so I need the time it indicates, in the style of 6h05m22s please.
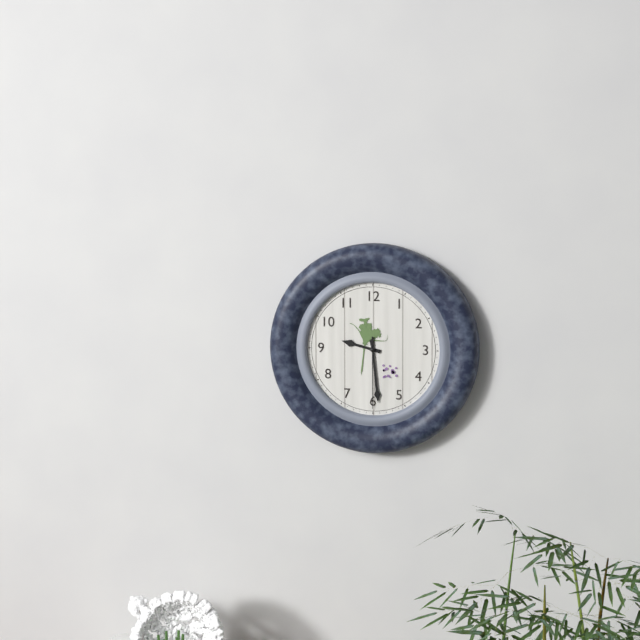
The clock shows 9h29m30s
